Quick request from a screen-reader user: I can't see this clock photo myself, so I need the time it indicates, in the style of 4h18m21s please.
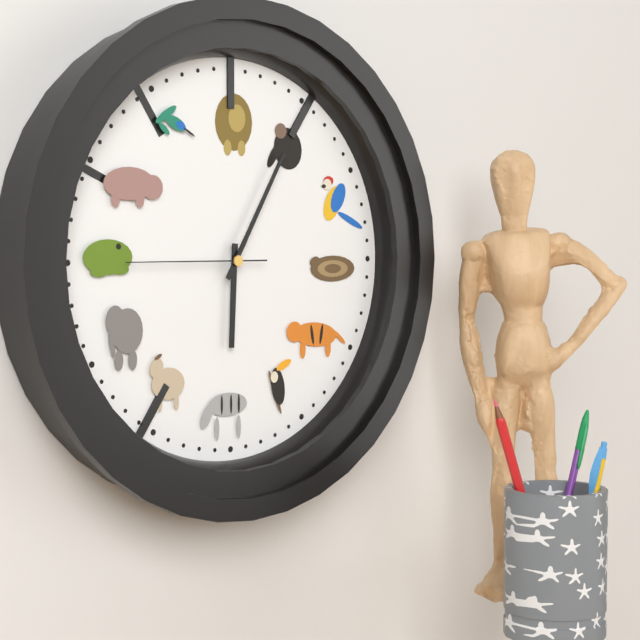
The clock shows 6h05m45s
